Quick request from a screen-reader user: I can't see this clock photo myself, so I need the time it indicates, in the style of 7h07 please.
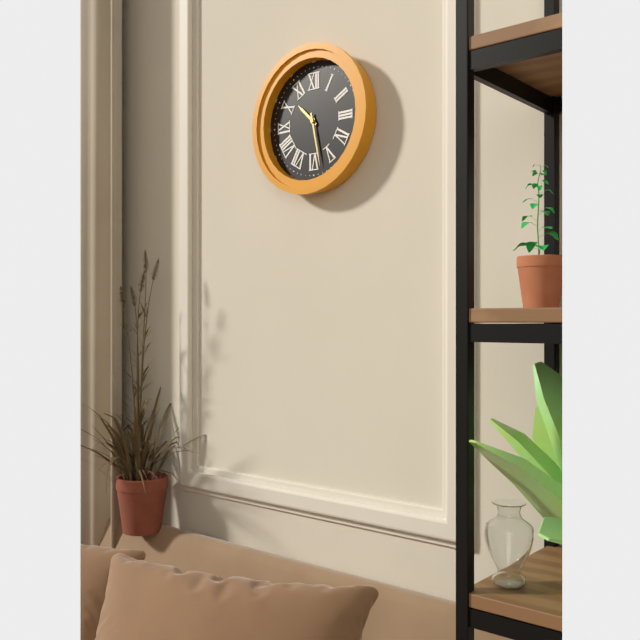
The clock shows 10h28
